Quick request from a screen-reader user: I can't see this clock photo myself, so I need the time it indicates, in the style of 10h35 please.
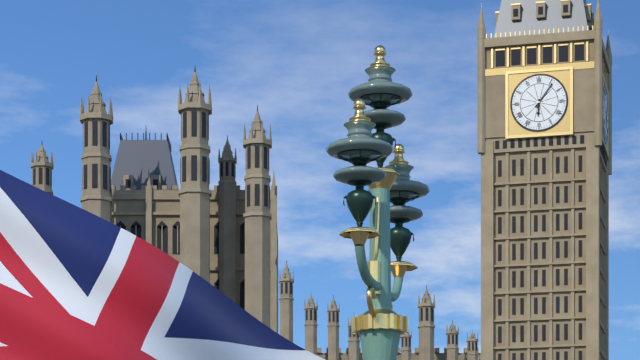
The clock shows 6h06
